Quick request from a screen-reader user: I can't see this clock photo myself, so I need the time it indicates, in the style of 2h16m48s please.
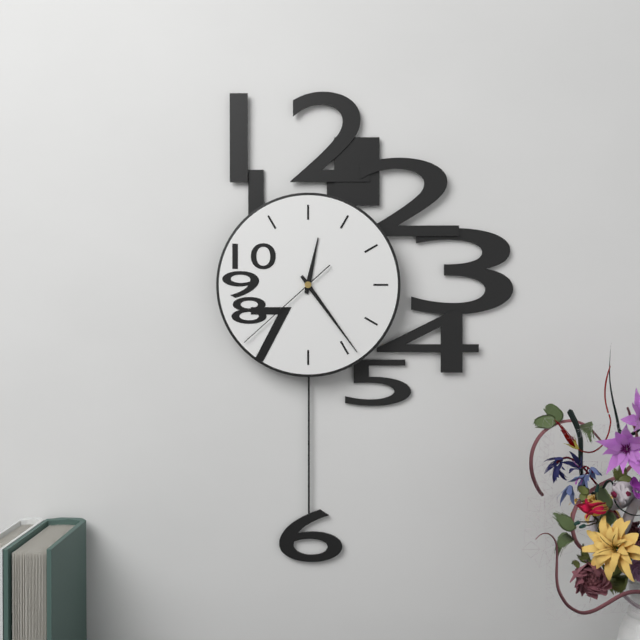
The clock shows 12h24m38s
